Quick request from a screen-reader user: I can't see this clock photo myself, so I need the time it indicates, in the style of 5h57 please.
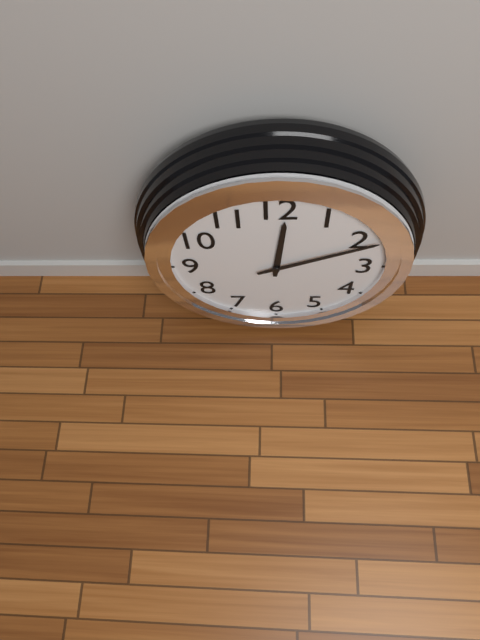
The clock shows 12h11
